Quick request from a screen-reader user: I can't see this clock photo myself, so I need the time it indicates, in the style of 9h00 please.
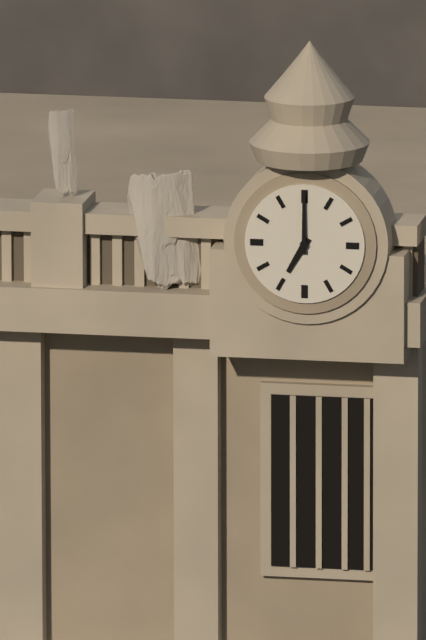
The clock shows 7h00
